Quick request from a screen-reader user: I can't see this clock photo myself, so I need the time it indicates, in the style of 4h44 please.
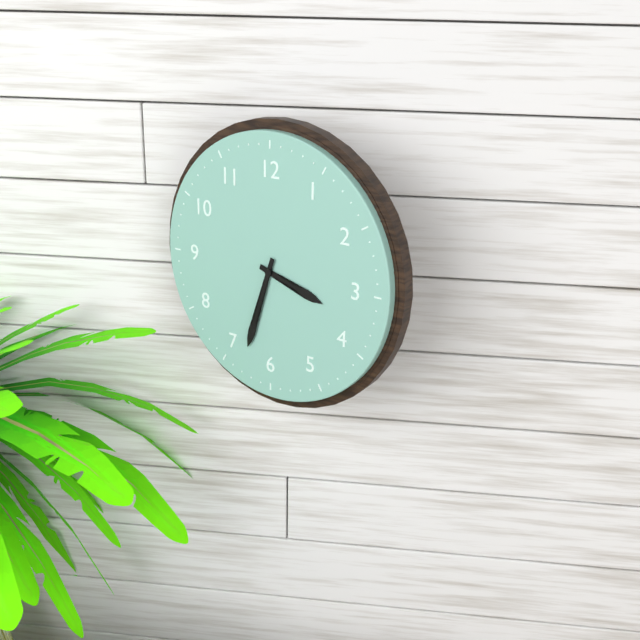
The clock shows 3h33
